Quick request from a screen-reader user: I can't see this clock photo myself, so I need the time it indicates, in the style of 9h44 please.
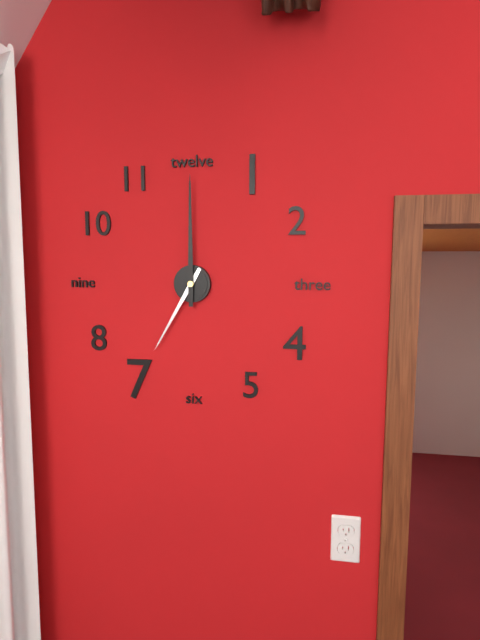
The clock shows 7h00
